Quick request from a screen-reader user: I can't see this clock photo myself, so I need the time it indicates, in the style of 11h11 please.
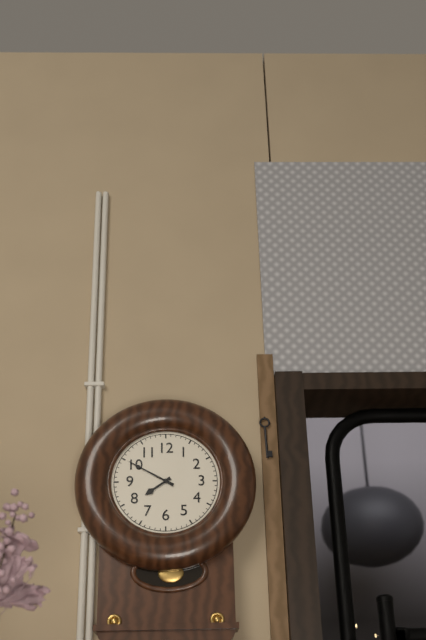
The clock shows 7h50
